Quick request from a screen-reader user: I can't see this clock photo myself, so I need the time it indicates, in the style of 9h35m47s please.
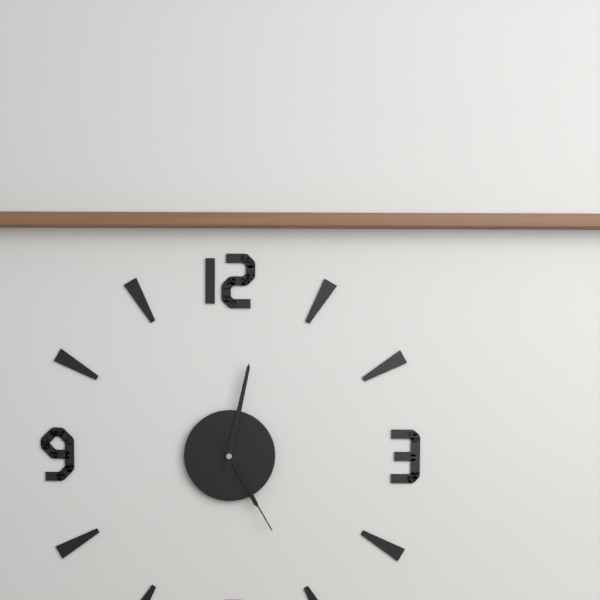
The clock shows 5h02m25s
